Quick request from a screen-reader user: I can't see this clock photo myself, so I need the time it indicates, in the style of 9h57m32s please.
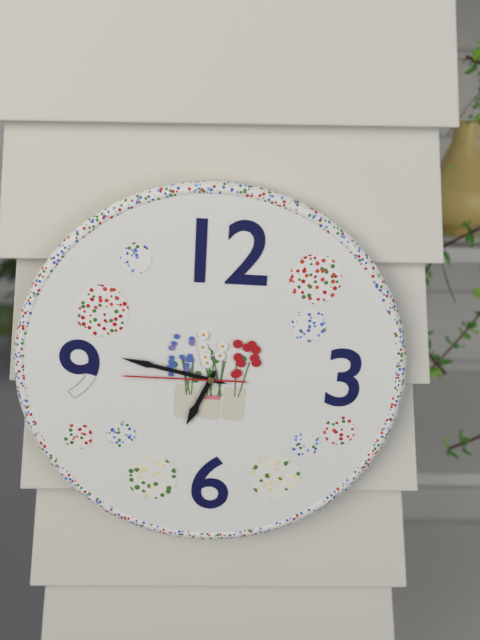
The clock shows 6h47m45s
